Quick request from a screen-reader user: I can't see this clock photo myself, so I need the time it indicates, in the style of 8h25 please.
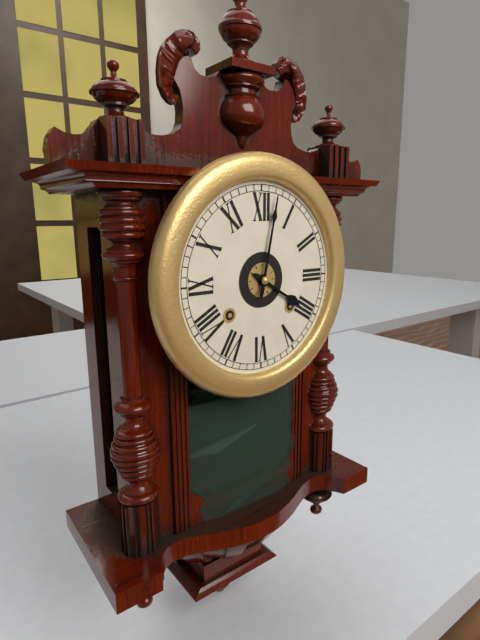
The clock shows 4h02
